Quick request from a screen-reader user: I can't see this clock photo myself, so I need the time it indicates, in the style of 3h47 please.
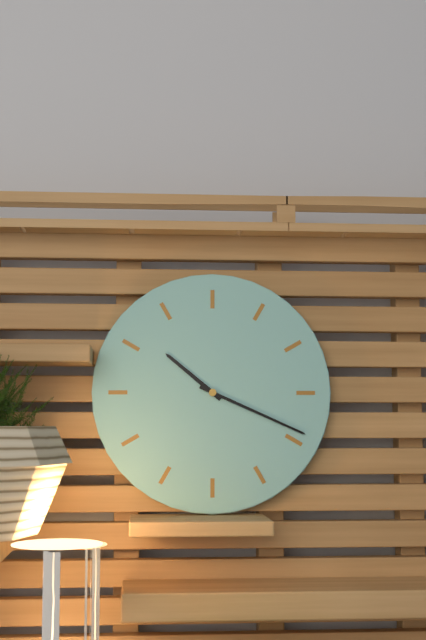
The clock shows 10h19
